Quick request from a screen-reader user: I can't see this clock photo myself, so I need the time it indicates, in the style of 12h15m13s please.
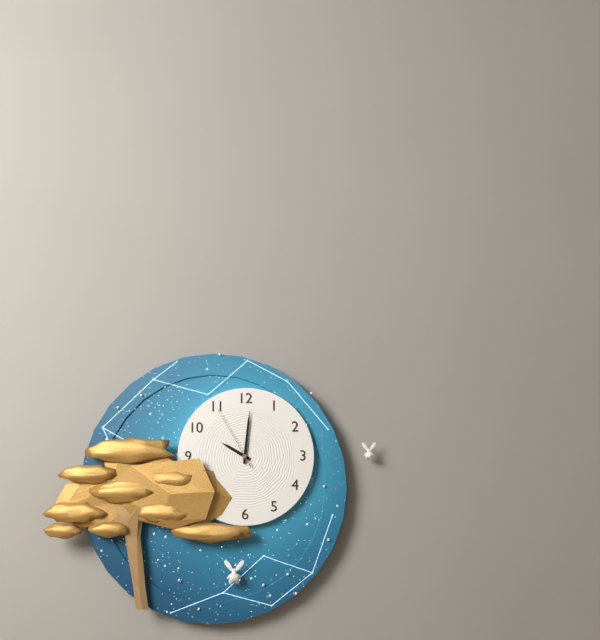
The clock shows 10h01m55s
